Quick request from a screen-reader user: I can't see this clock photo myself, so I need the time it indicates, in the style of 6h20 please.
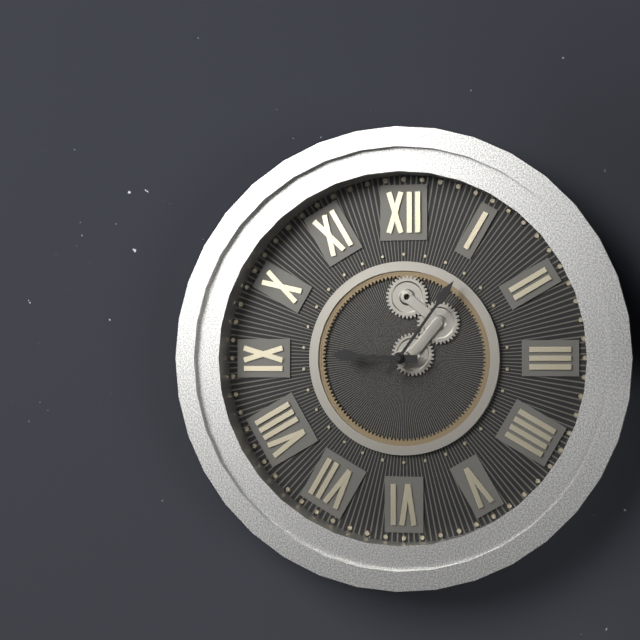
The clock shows 9h06
